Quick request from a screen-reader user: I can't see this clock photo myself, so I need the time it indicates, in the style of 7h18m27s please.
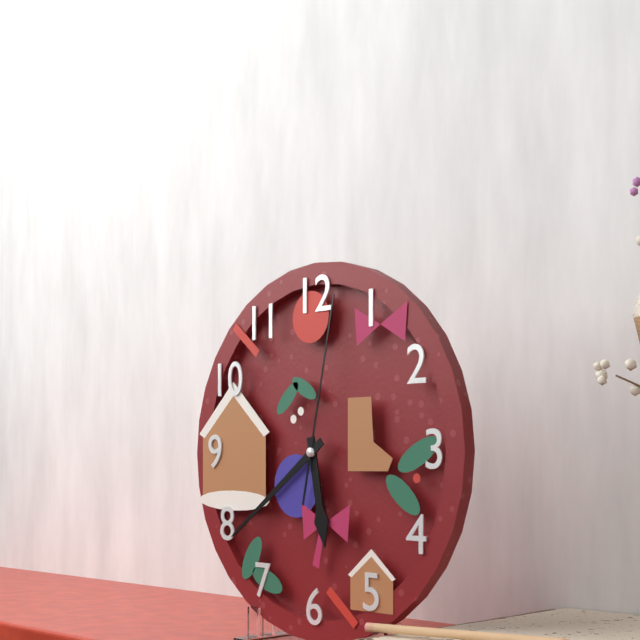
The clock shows 5h39m02s
